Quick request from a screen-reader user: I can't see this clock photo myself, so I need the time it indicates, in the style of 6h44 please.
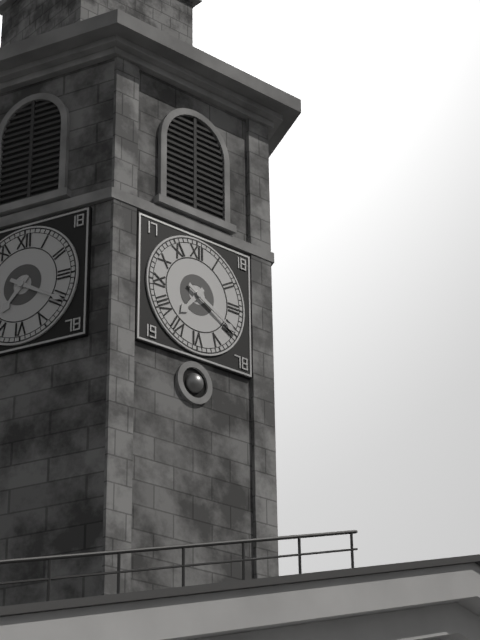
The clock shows 7h20
